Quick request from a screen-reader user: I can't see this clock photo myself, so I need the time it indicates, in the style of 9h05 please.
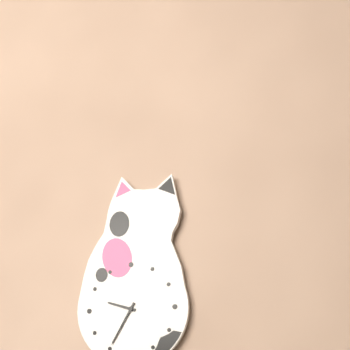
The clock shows 9h35
